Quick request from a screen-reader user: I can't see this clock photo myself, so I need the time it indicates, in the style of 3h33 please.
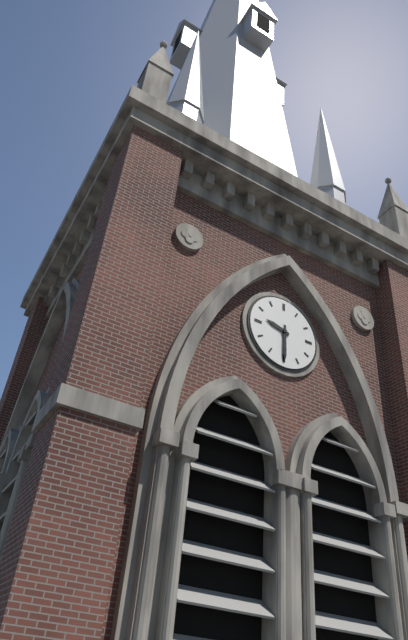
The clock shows 9h30
